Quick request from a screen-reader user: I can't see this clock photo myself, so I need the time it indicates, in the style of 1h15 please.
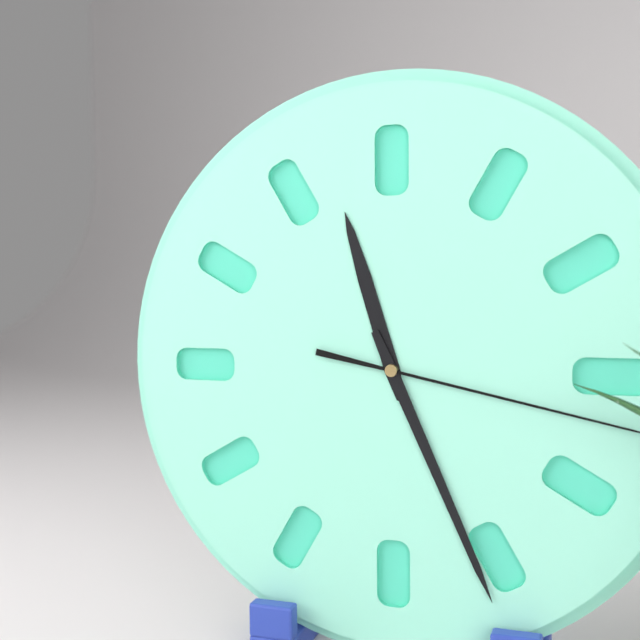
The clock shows 11h26
